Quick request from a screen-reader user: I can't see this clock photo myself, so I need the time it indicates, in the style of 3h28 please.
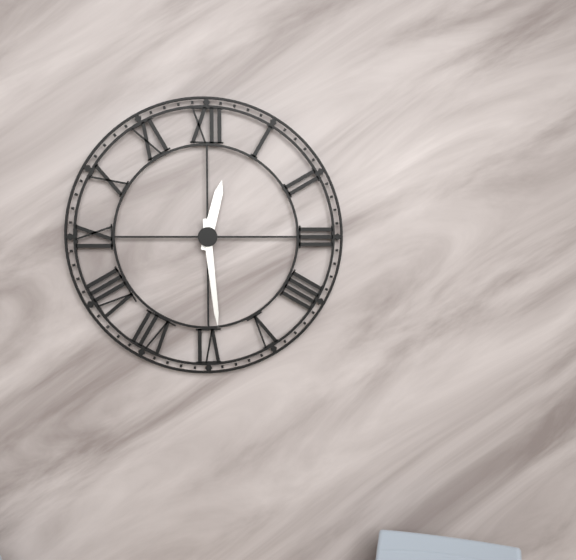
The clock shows 12h29
